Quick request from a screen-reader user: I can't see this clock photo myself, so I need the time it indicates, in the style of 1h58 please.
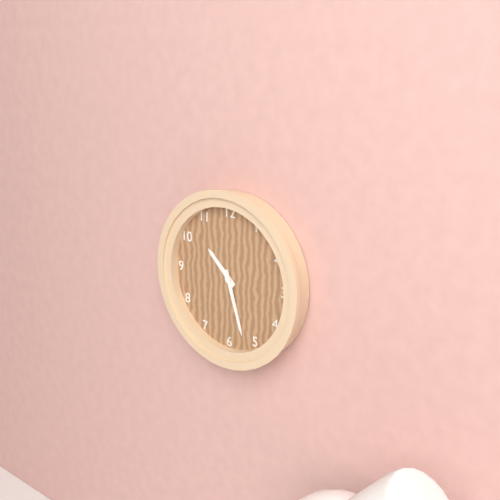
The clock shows 10h27
